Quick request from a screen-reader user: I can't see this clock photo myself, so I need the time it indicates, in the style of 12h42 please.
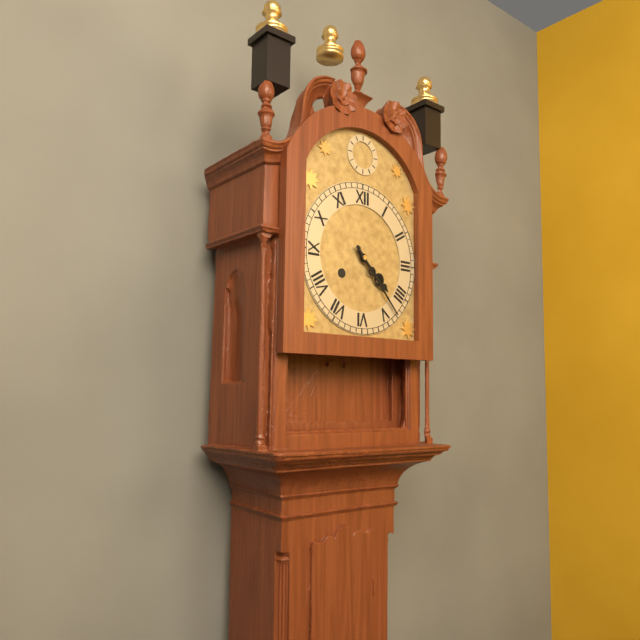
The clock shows 4h23
